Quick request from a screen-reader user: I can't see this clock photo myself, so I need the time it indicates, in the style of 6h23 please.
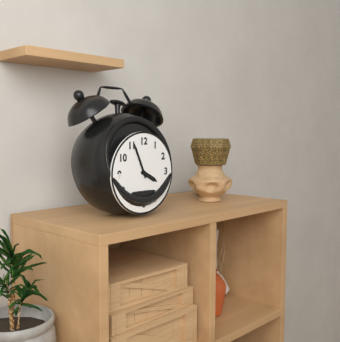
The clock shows 3h56
